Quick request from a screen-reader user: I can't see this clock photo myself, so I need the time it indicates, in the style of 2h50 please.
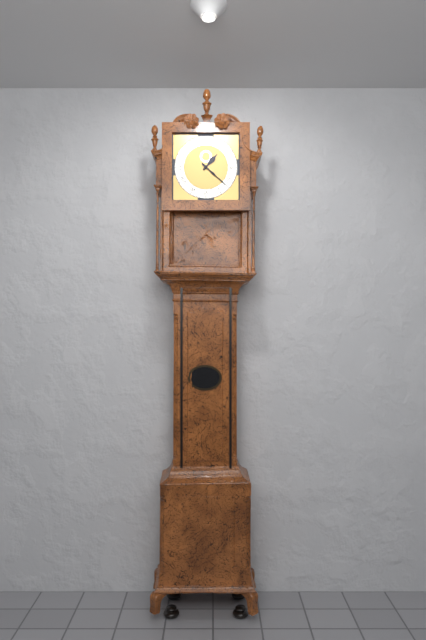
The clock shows 1h22
